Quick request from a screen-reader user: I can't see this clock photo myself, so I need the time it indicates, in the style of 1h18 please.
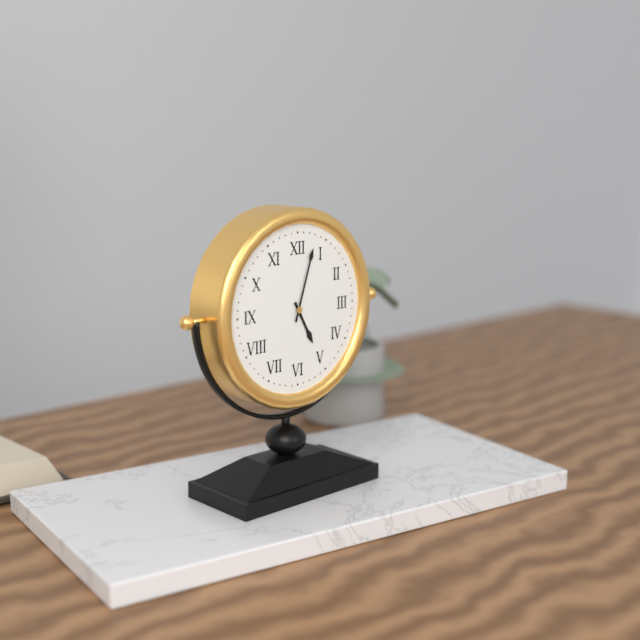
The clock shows 5h03
